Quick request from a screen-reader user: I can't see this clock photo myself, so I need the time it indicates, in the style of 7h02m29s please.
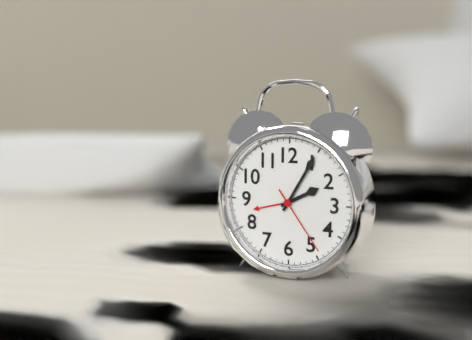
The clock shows 2h05m24s
